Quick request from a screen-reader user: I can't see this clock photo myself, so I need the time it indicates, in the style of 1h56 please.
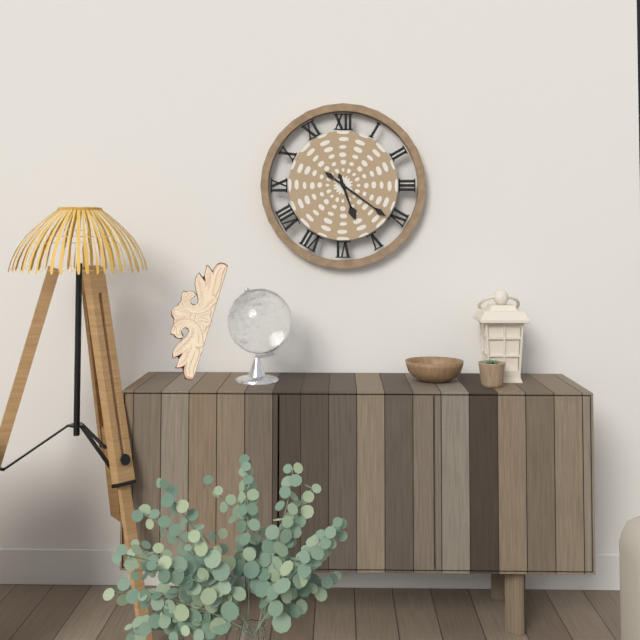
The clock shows 5h21
